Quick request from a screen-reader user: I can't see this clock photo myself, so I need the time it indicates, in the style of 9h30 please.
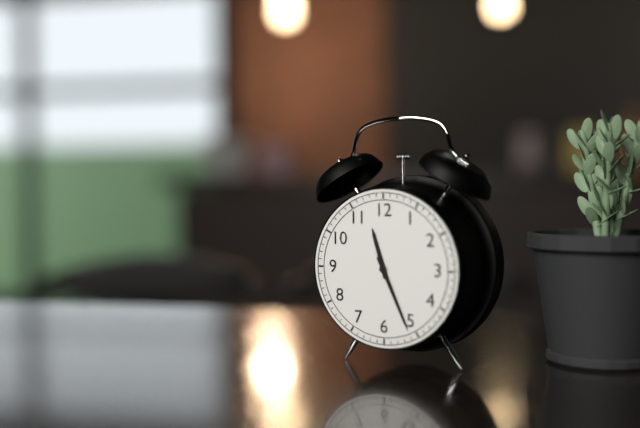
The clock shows 11h26
